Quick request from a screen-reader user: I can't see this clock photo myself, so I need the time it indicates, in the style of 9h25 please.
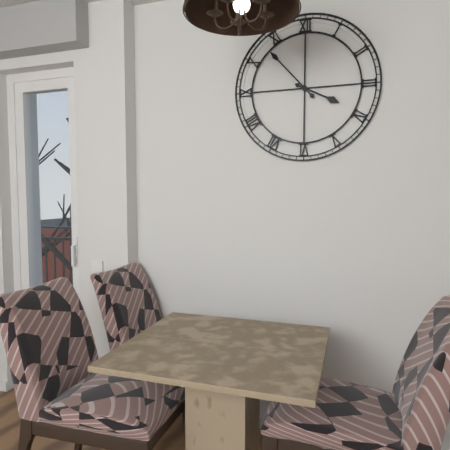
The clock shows 3h53
